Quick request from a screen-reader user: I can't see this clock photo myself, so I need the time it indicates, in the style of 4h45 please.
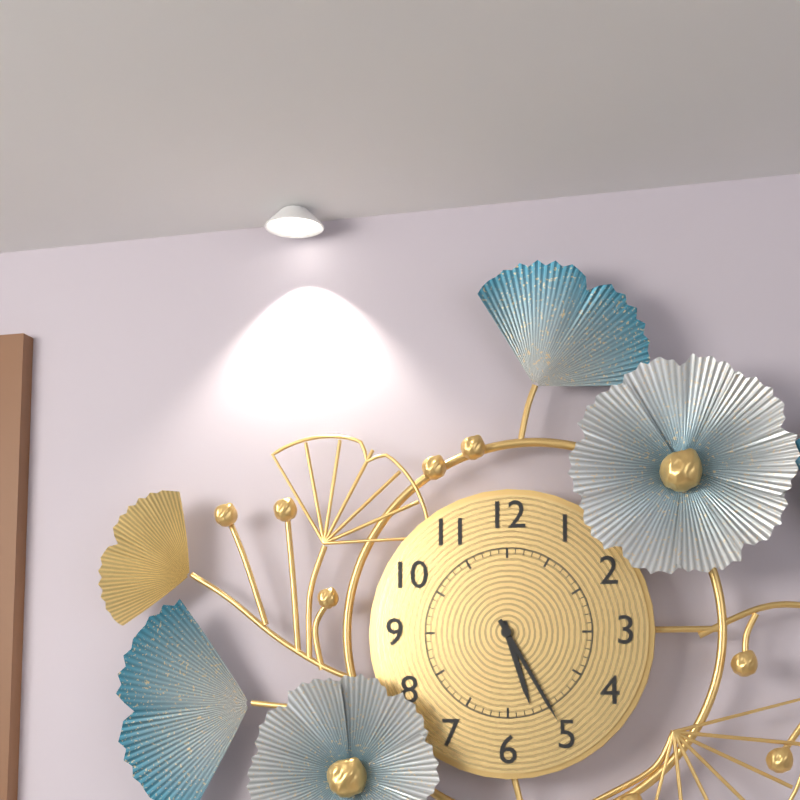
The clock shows 5h25
